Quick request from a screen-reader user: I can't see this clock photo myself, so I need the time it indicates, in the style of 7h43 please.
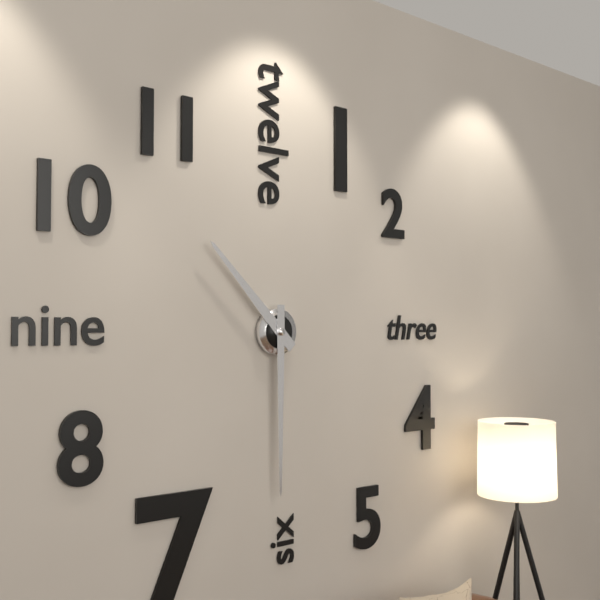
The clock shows 10h30
